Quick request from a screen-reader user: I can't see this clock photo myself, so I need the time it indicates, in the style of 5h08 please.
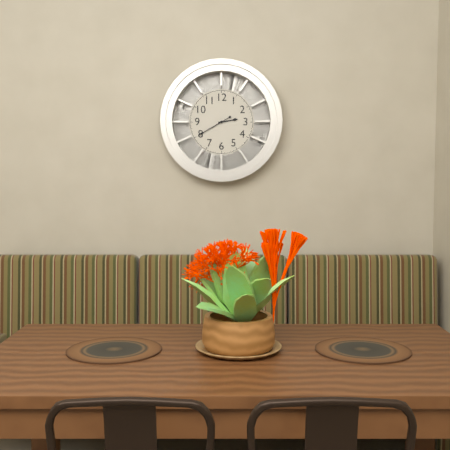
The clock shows 2h40
